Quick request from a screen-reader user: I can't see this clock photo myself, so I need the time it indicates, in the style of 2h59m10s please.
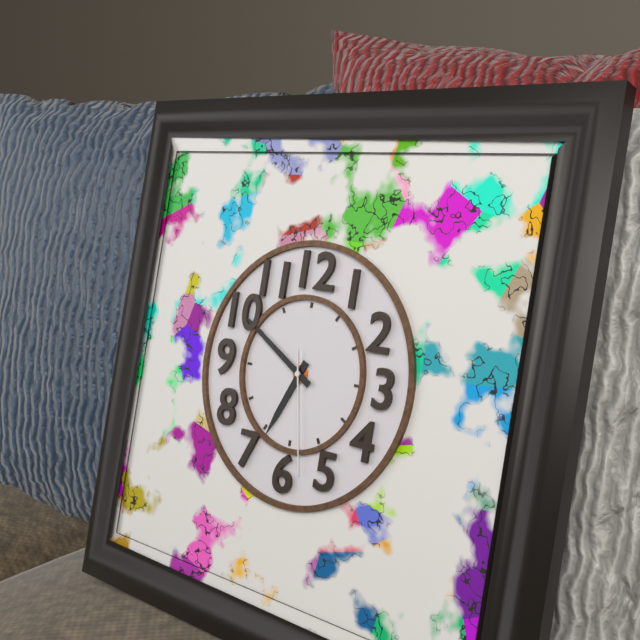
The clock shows 6h50m28s
